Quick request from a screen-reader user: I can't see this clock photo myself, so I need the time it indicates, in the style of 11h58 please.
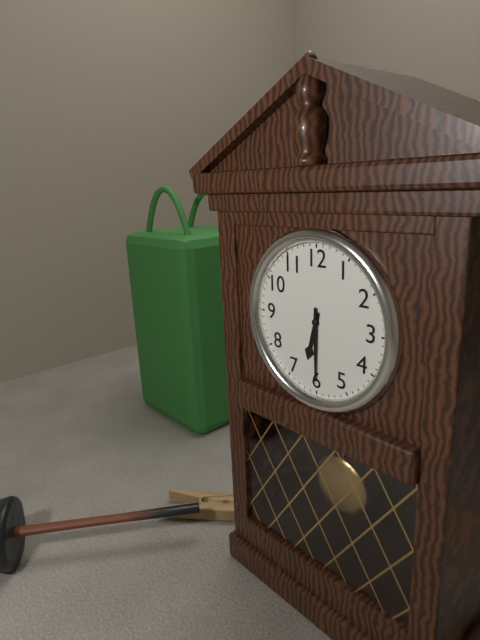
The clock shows 6h30
